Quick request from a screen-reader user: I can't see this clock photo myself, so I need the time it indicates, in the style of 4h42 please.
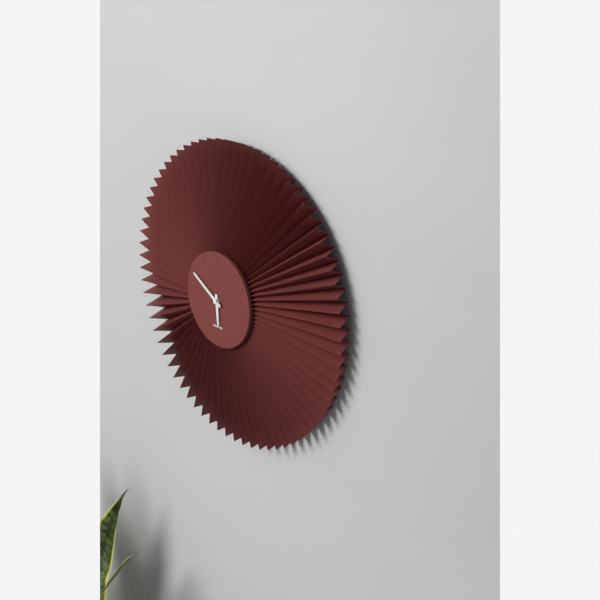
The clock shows 5h50
